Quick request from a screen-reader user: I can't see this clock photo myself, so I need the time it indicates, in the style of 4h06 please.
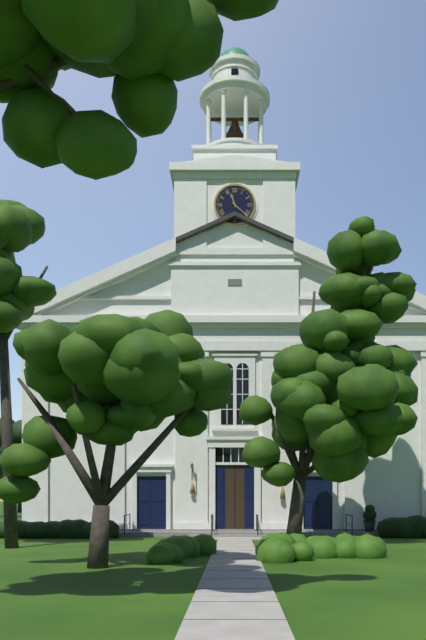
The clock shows 11h22
